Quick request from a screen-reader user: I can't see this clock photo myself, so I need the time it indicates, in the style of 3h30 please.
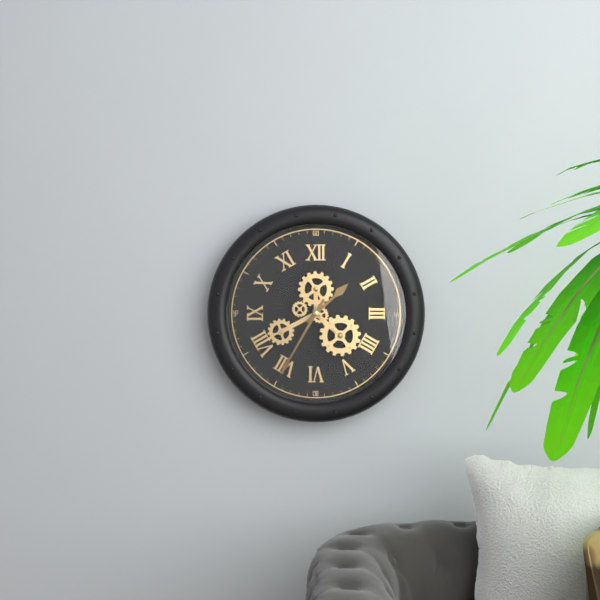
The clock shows 1h35
